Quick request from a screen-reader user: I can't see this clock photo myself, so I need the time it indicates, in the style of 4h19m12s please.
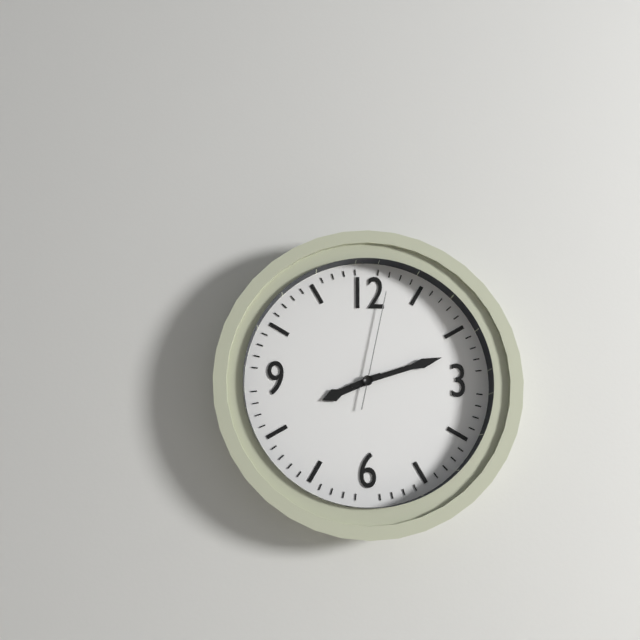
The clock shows 8h12m02s
